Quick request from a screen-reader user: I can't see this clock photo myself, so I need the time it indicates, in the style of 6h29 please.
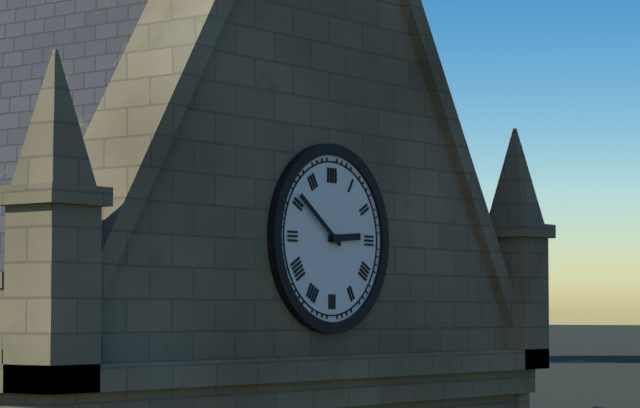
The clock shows 2h51
